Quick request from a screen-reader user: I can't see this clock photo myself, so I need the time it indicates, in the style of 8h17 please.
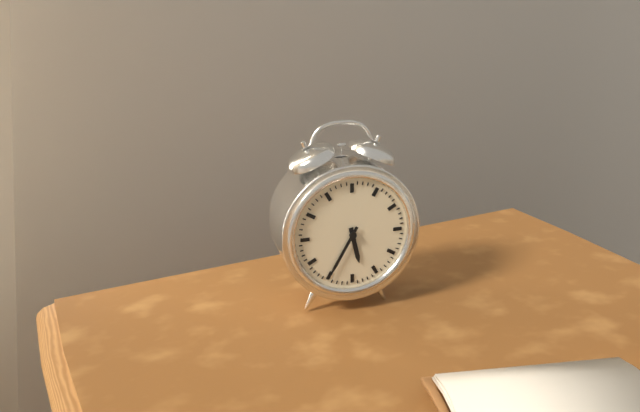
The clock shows 5h35
